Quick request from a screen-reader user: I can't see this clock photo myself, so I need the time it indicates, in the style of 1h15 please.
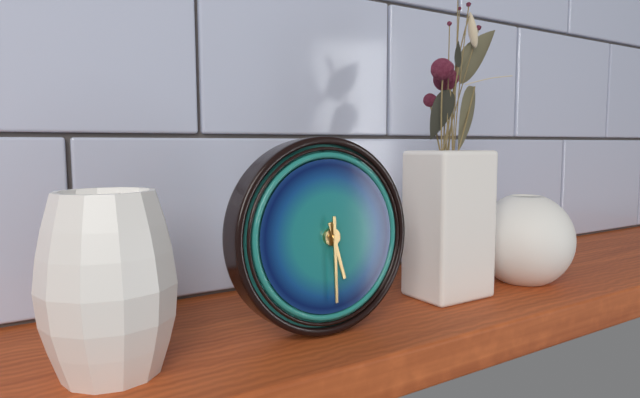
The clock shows 5h30
